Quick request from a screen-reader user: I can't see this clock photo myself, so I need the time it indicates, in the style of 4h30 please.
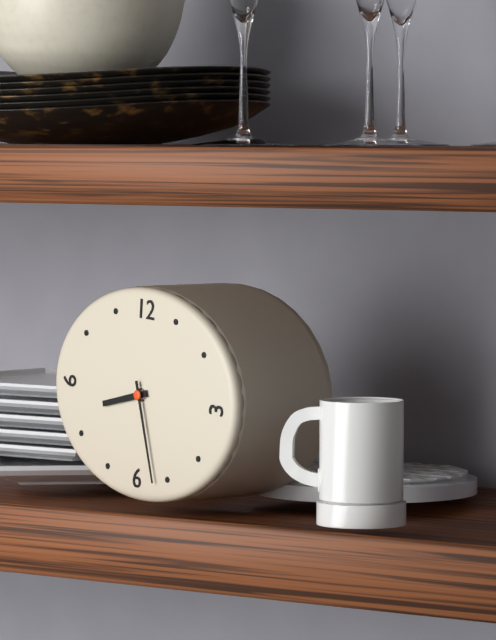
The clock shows 8h27
